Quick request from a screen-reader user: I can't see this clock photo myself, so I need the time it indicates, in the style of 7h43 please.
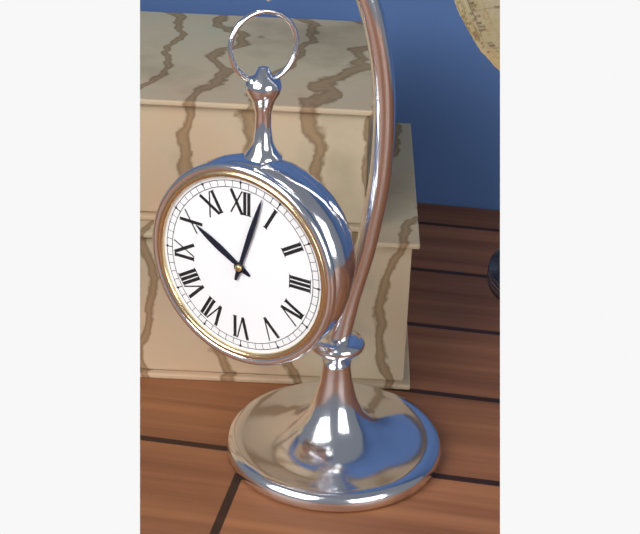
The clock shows 10h03
